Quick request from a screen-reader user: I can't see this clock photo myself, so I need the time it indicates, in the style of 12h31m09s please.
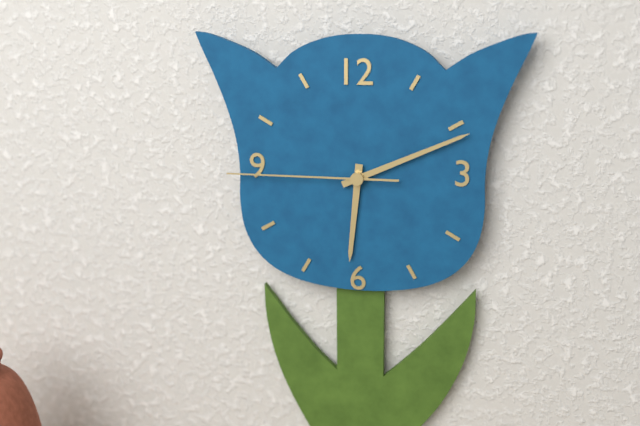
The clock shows 6h11m45s
